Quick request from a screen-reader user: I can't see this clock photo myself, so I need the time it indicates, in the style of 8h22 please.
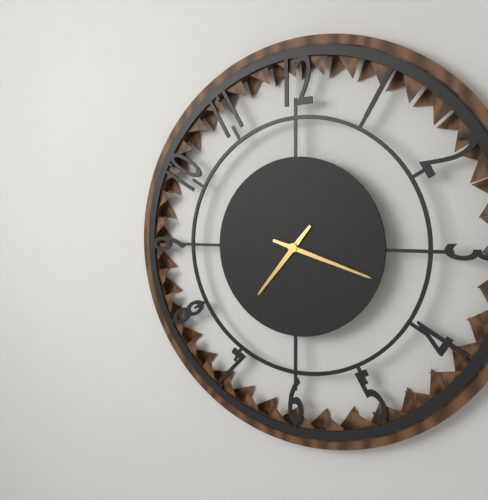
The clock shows 7h18
